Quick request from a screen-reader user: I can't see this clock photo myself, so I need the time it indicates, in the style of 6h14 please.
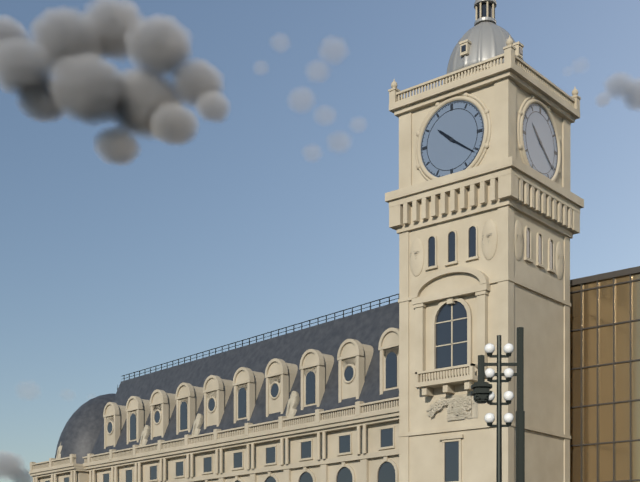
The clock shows 10h21
